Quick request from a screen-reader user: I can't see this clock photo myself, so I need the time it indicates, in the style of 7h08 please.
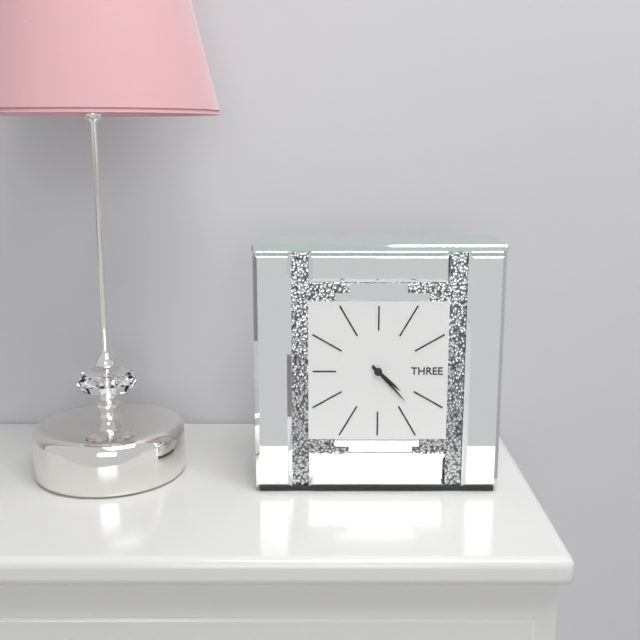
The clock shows 4h23
